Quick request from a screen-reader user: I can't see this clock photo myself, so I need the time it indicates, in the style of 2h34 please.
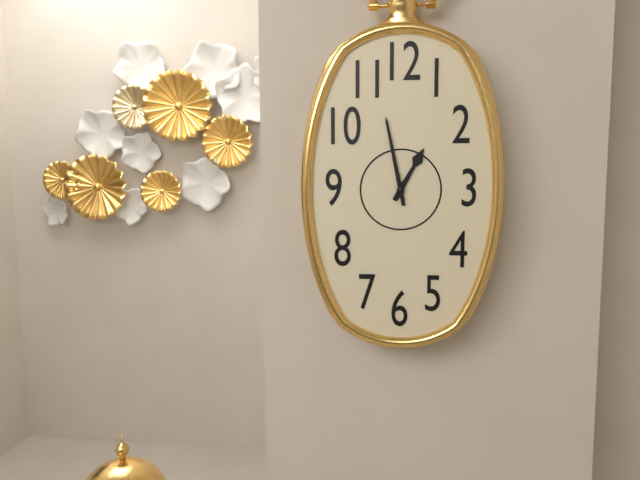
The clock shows 12h58
